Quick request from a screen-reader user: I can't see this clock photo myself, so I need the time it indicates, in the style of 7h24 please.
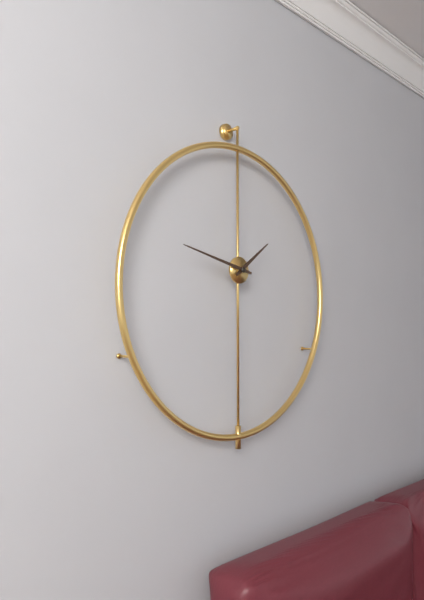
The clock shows 1h47
